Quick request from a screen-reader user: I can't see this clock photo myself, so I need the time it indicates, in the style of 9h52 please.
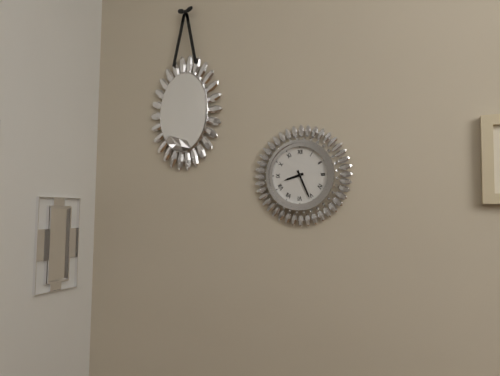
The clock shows 8h26
